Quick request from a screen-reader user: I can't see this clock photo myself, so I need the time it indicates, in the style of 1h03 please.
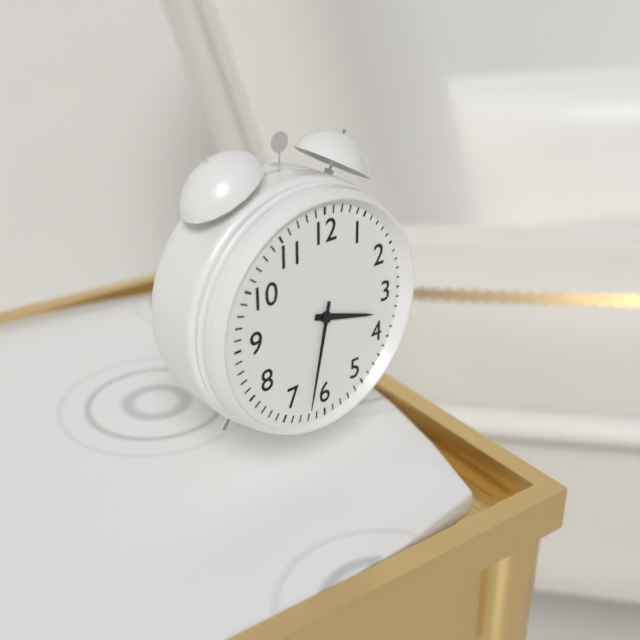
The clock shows 3h32
